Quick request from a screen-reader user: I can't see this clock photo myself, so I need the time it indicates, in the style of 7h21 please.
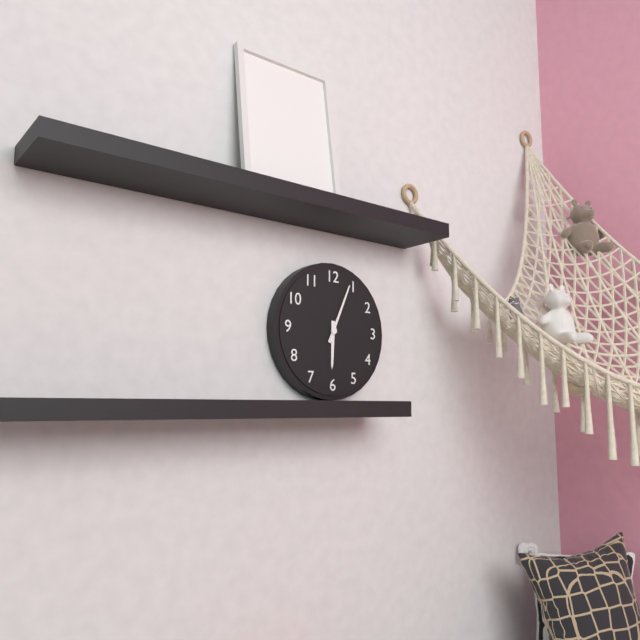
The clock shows 6h04
